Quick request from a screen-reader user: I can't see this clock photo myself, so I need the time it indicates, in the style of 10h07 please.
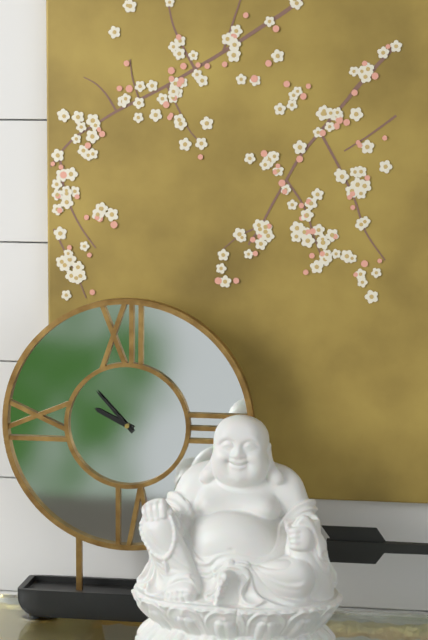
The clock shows 9h53
